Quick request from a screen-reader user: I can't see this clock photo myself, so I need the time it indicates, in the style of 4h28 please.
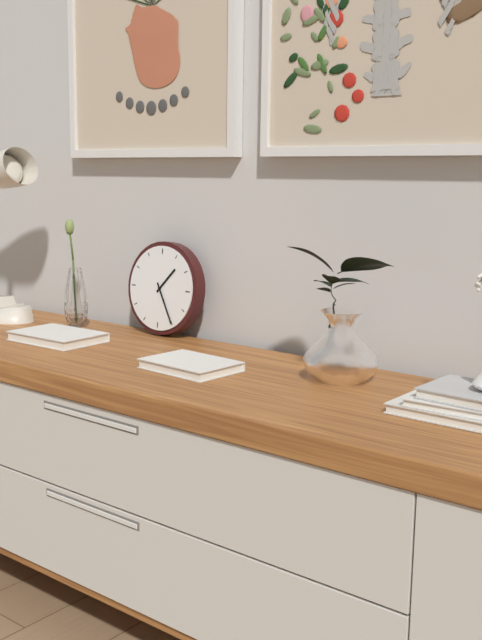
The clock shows 1h25
